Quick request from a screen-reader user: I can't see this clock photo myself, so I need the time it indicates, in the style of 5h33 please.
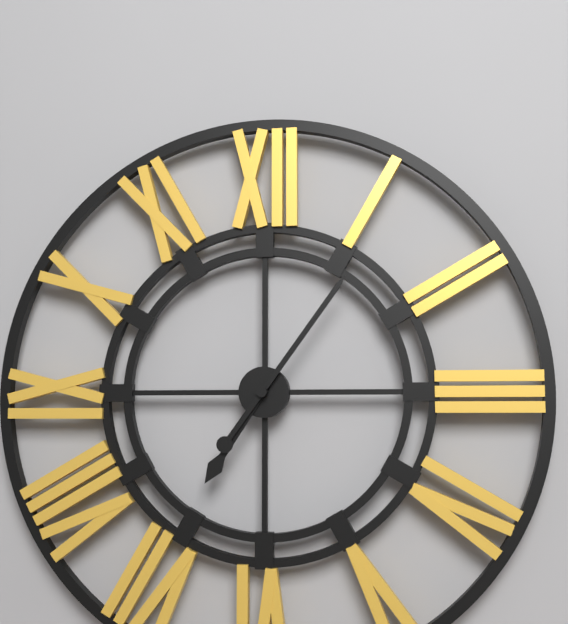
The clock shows 7h06
